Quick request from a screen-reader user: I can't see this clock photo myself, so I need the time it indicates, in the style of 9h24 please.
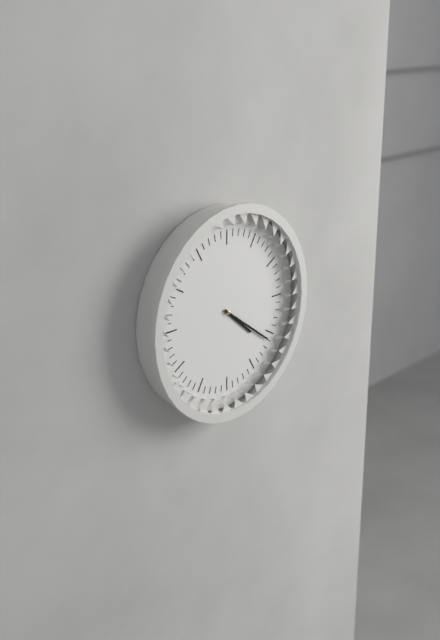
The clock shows 4h21
